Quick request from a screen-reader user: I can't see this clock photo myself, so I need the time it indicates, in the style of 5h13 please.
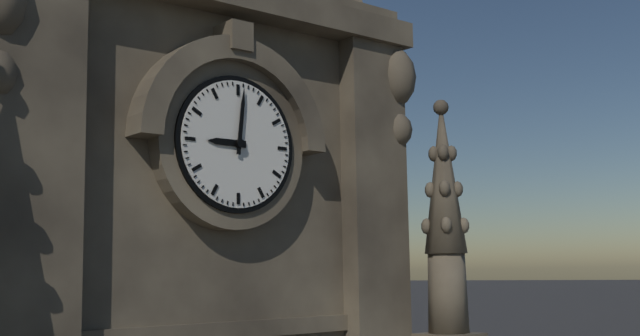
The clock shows 9h01
